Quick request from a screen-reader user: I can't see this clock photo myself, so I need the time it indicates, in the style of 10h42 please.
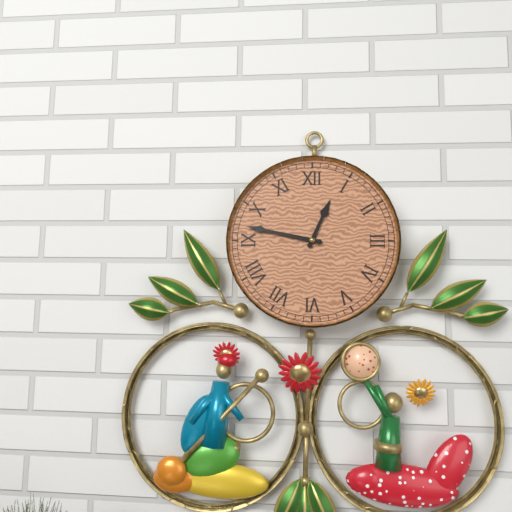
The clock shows 12h47
